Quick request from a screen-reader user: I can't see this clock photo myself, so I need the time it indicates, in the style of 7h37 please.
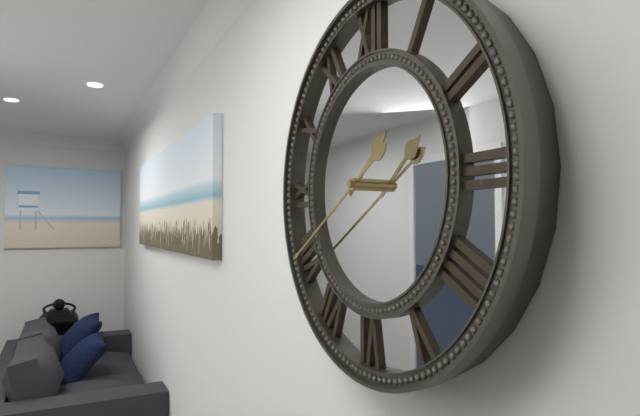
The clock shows 1h40
